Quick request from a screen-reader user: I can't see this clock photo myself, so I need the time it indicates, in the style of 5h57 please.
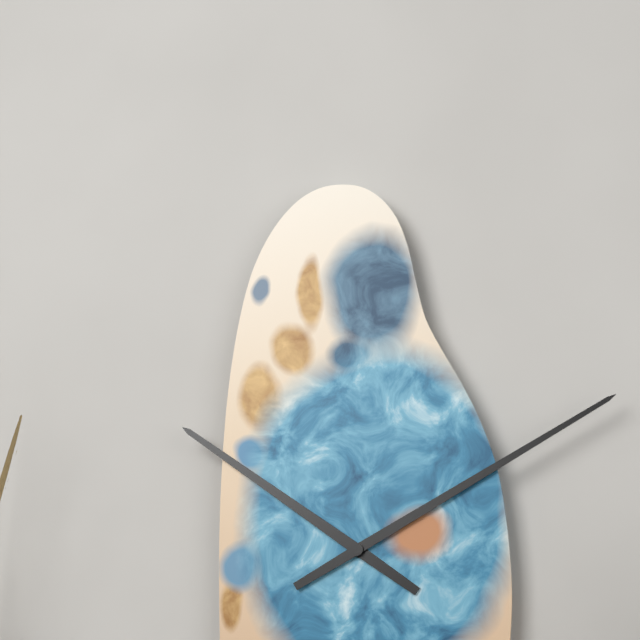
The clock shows 10h10
